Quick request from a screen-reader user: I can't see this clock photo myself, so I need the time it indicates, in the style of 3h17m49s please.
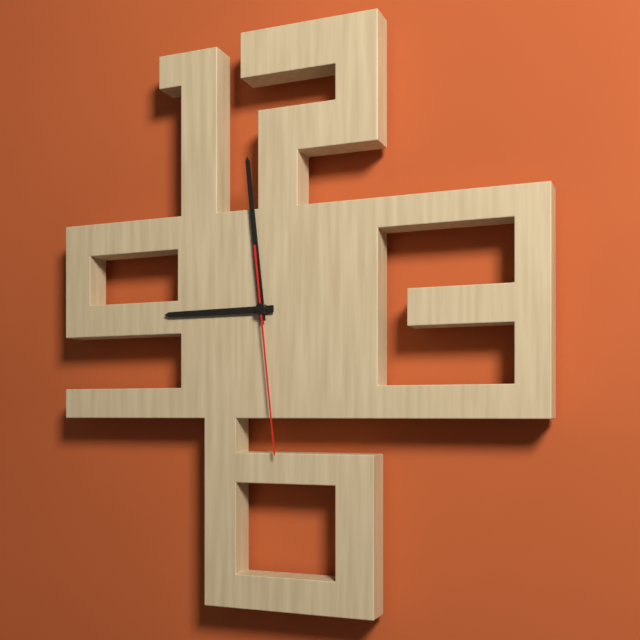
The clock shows 8h59m29s
